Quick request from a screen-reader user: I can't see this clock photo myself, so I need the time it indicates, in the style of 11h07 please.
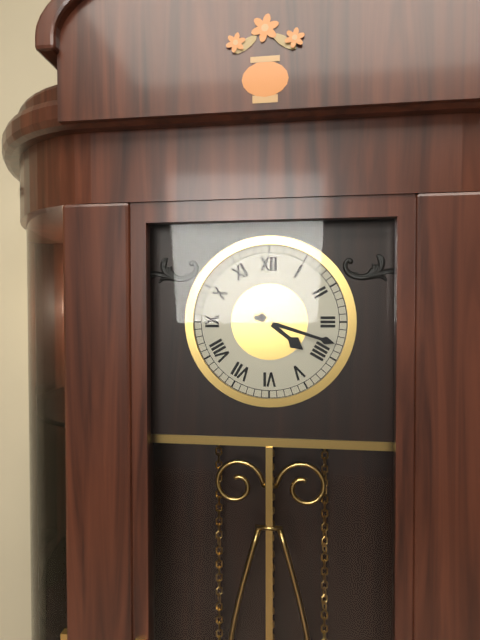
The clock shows 4h18
